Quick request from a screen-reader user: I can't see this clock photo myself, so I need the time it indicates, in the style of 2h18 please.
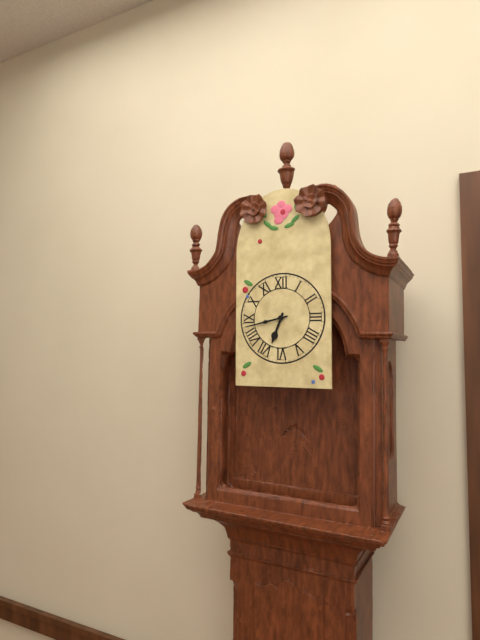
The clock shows 6h43
